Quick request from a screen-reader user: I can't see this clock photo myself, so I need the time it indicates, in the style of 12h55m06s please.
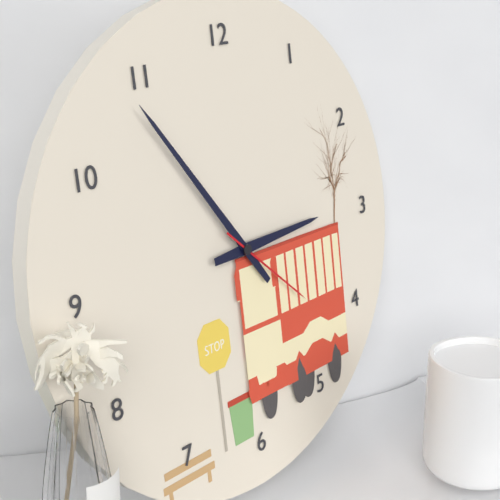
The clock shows 2h54m22s
